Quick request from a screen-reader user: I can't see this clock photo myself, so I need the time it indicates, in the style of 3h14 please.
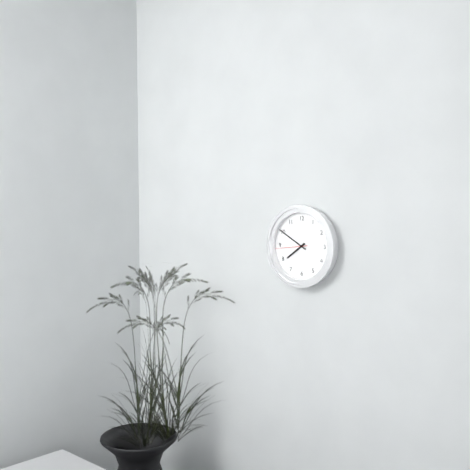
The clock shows 7h50
